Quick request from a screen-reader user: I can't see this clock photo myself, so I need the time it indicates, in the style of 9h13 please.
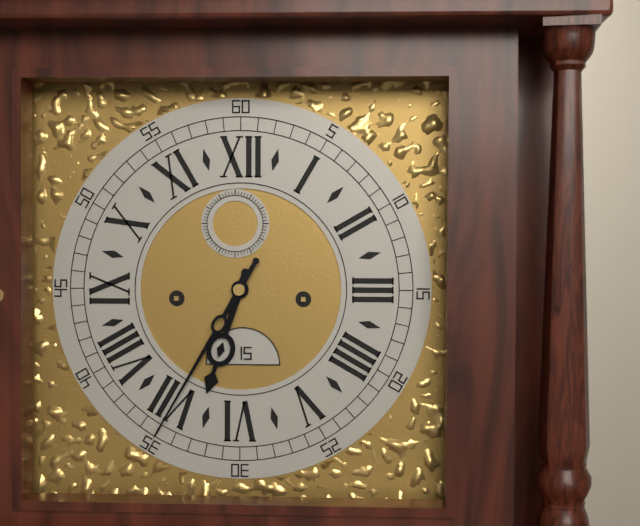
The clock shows 6h35
